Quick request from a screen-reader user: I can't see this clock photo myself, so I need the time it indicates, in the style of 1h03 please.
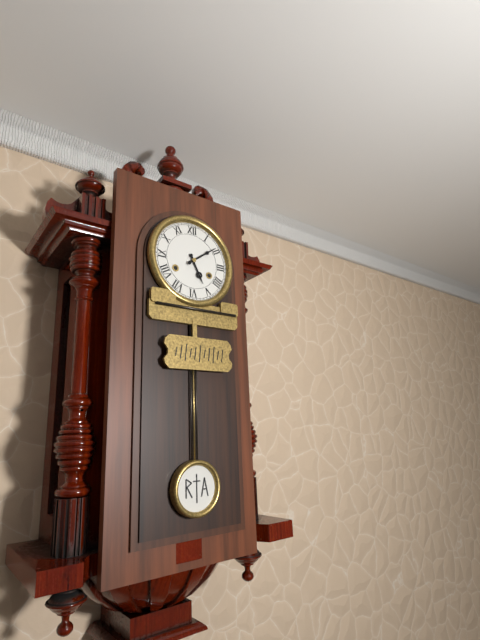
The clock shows 5h09
